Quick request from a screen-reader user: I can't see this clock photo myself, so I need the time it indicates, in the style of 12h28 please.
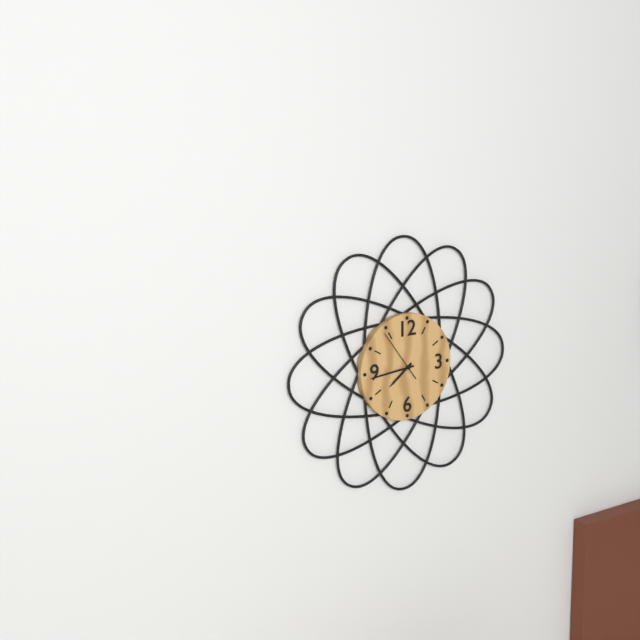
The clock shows 7h44
